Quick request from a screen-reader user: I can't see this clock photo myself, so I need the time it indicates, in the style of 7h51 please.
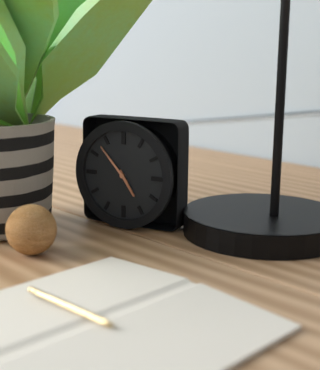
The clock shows 4h53
